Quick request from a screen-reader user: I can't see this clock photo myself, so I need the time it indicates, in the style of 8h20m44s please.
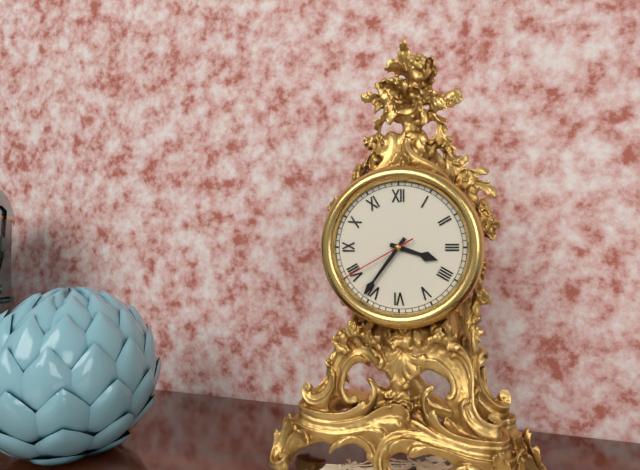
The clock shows 3h36m40s
